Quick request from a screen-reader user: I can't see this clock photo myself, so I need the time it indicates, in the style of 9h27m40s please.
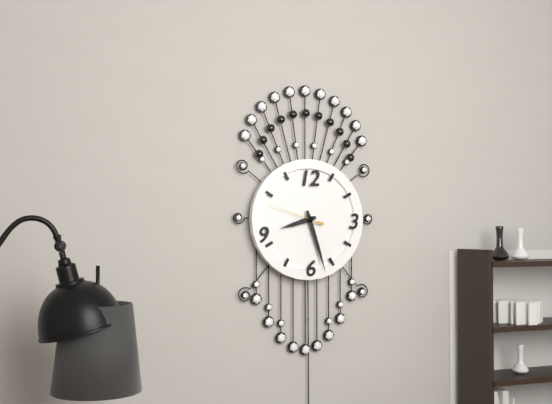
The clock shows 8h27m48s
